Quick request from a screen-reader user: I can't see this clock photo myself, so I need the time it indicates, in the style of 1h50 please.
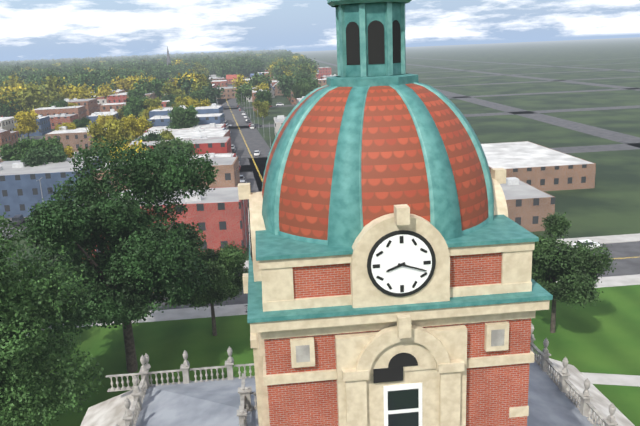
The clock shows 8h18
